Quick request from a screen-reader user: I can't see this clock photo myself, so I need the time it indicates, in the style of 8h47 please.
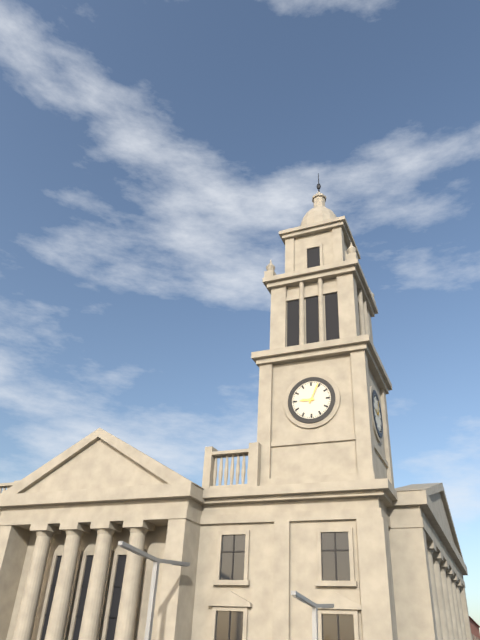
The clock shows 9h04
